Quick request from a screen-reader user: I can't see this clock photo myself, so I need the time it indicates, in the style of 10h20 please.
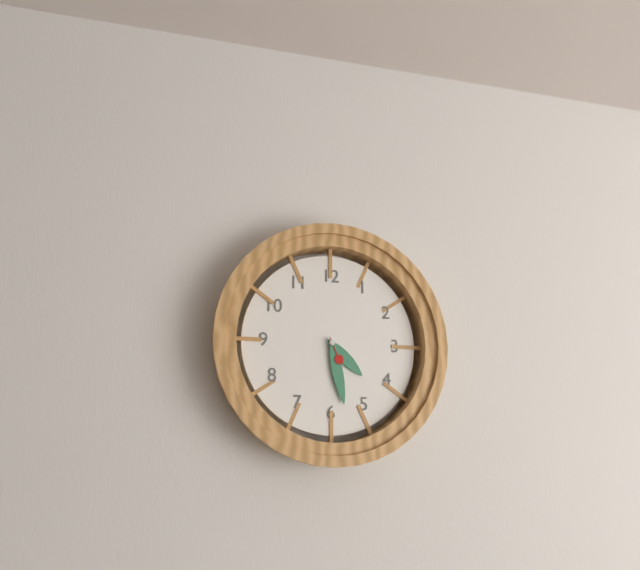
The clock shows 4h28
